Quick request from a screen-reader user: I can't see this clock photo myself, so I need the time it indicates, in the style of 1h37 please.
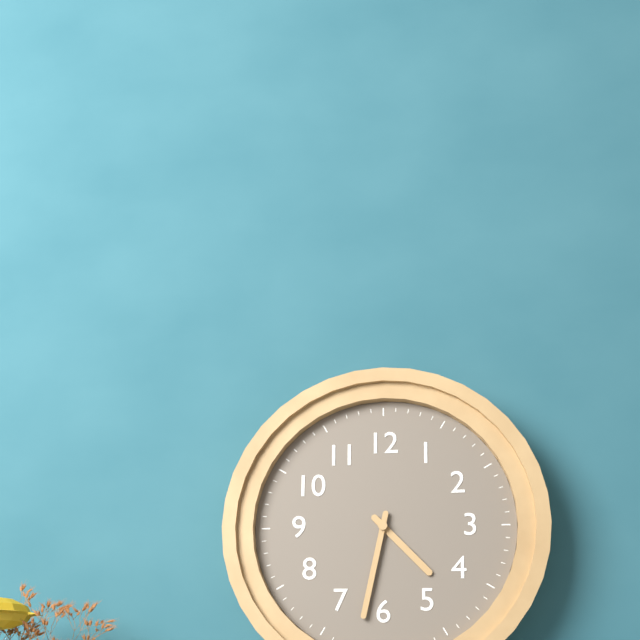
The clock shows 4h32
